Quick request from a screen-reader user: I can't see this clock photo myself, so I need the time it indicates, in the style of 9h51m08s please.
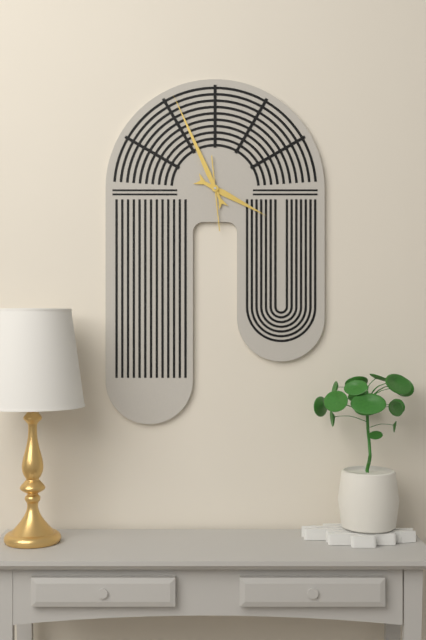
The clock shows 3h56m29s
